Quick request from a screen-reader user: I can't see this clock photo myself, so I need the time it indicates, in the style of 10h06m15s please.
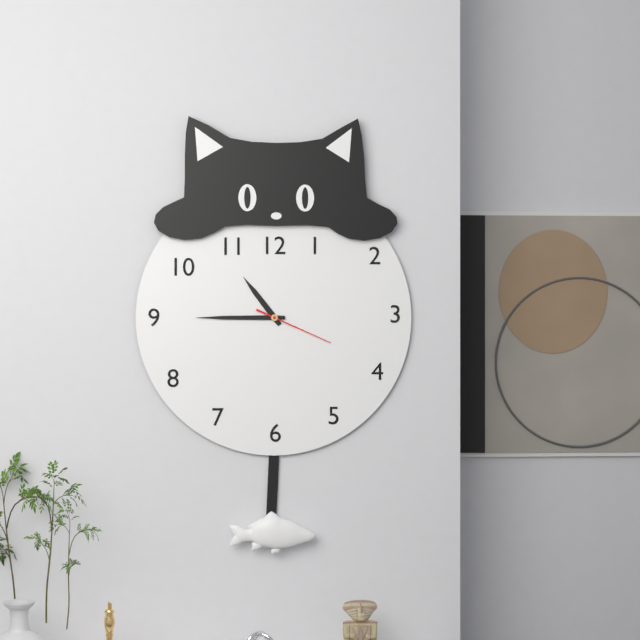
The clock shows 10h45m19s
